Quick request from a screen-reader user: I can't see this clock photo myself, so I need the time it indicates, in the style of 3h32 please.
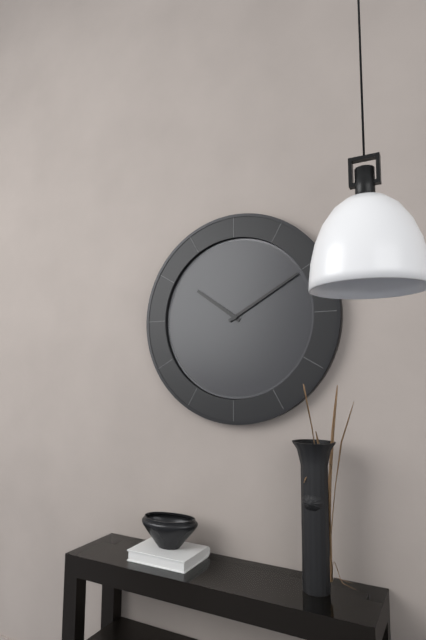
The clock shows 10h10
